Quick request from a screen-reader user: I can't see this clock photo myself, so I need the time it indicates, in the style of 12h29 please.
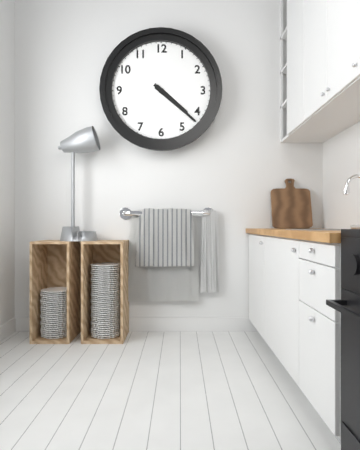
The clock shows 4h22
